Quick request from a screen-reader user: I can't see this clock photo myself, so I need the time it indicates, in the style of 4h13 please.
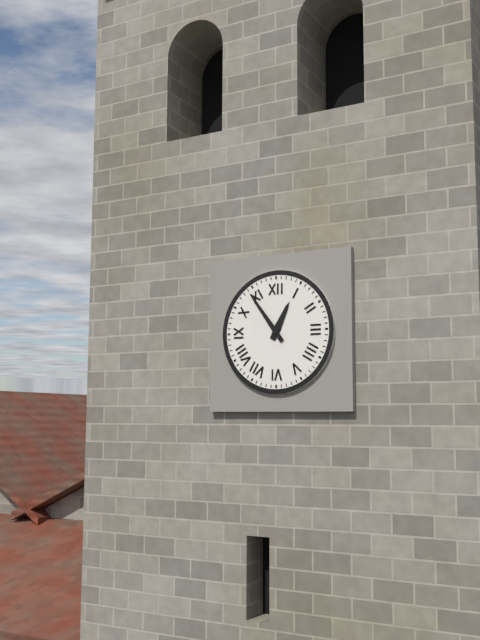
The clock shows 12h54
